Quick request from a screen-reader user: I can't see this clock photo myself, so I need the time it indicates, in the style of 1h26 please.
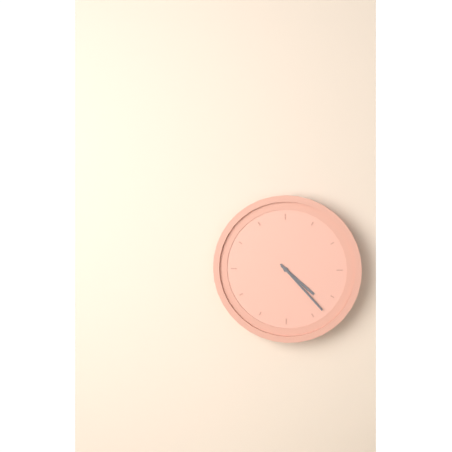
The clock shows 4h23
